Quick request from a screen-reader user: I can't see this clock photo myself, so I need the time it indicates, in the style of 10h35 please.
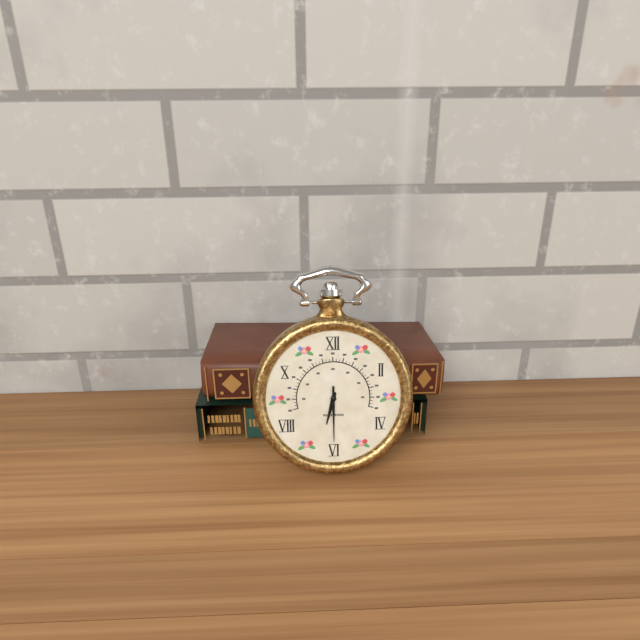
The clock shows 6h30
